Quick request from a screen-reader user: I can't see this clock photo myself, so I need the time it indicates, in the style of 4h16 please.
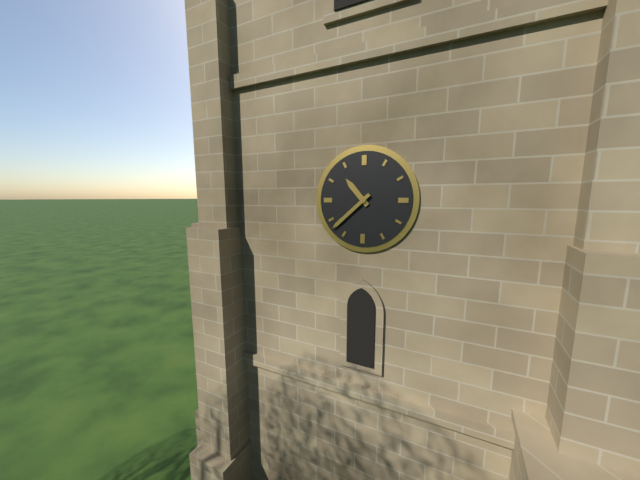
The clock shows 10h38
